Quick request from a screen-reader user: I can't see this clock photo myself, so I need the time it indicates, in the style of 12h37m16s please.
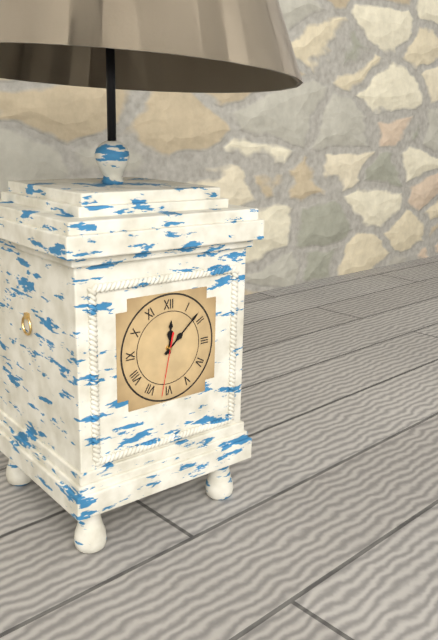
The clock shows 12h08m32s
